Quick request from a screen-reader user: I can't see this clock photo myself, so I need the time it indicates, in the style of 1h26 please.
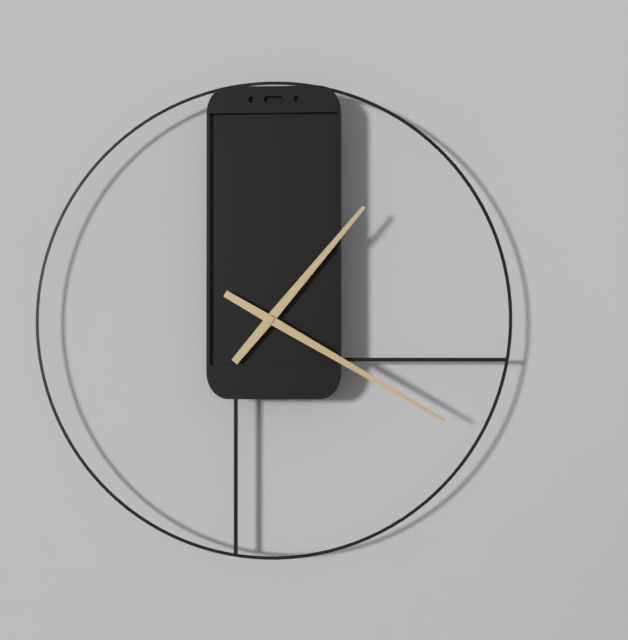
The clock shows 1h20
